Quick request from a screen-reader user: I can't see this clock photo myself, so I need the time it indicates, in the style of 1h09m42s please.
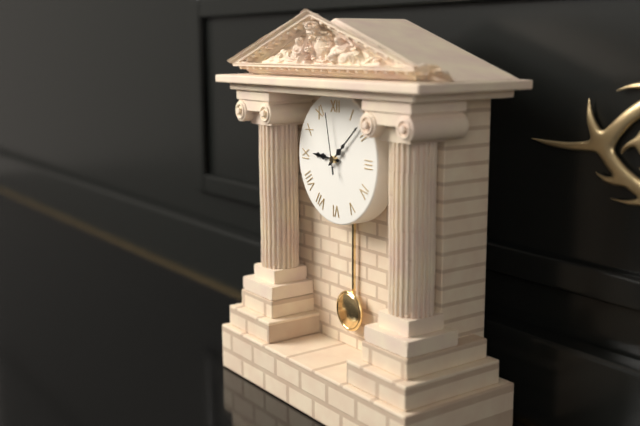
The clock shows 9h08m58s
